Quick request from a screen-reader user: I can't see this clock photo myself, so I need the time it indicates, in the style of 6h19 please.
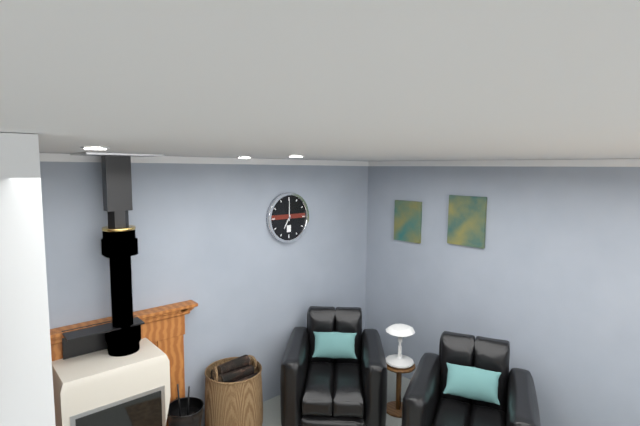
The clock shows 7h00
